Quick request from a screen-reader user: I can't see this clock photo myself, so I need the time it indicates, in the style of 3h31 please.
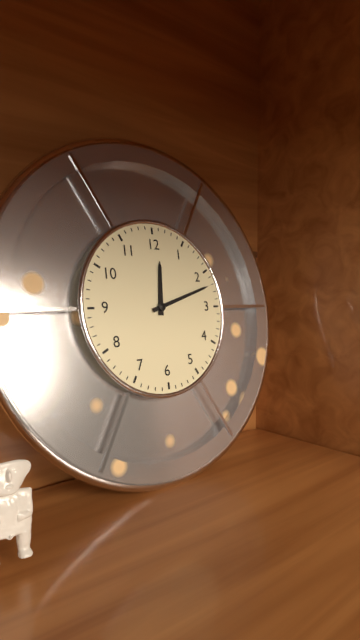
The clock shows 12h12
